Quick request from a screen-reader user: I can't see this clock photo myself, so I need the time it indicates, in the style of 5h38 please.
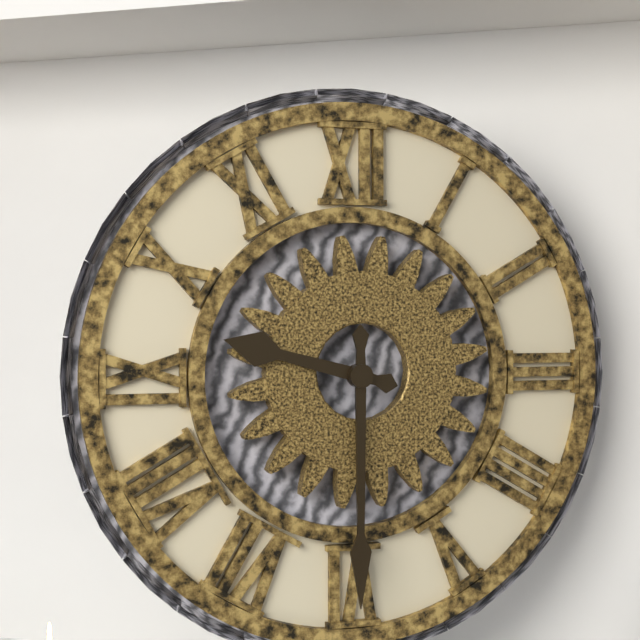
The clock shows 9h30
